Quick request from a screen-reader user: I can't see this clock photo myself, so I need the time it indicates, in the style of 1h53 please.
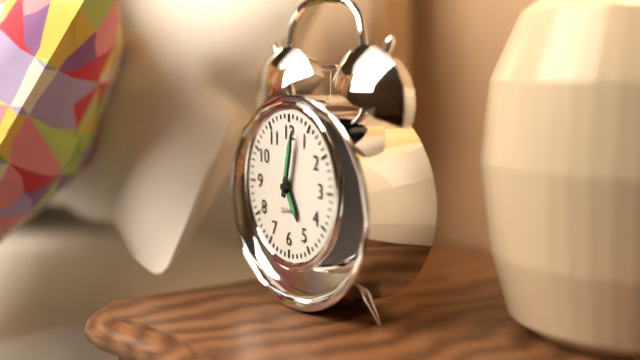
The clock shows 5h02
